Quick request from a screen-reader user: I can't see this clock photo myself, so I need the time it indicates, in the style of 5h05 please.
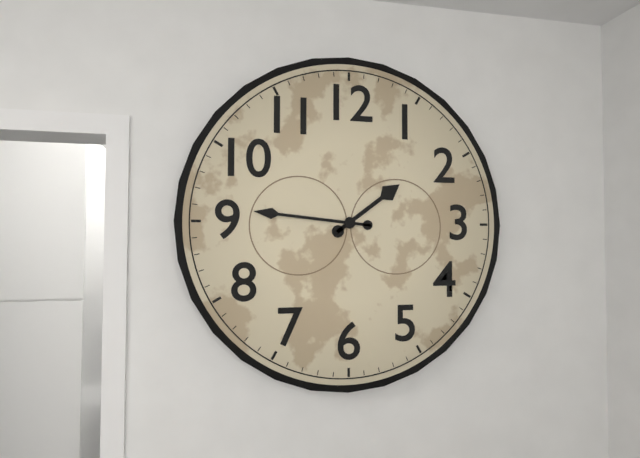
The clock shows 1h46
